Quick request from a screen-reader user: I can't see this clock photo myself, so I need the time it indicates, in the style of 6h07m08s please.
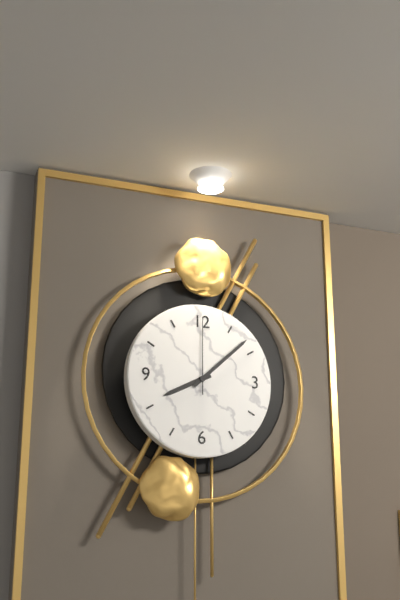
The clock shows 8h08m00s
